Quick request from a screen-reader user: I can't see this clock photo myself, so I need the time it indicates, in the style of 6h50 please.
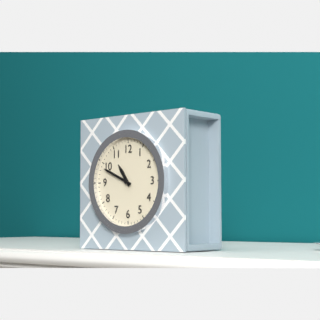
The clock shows 10h49
